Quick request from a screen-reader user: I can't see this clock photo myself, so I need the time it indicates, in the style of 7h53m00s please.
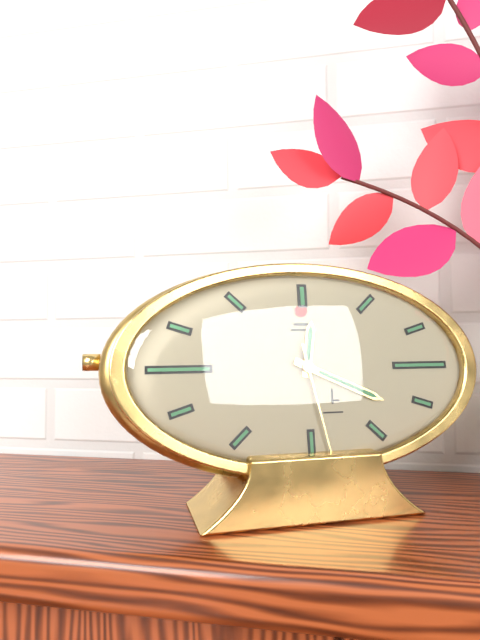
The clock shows 12h19m28s
